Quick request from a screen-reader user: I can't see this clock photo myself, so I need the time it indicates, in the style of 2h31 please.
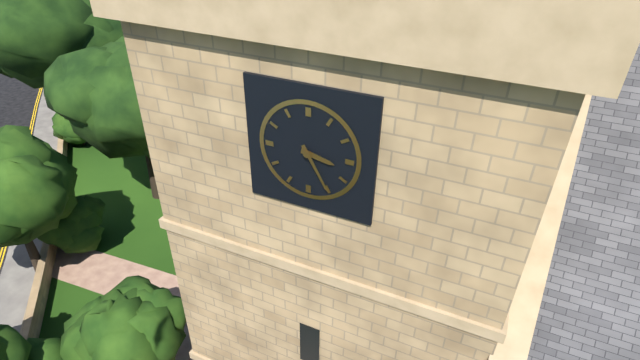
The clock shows 3h25
